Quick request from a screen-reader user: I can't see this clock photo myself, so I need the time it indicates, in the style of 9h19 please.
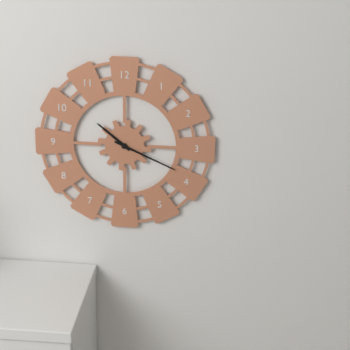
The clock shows 10h19
